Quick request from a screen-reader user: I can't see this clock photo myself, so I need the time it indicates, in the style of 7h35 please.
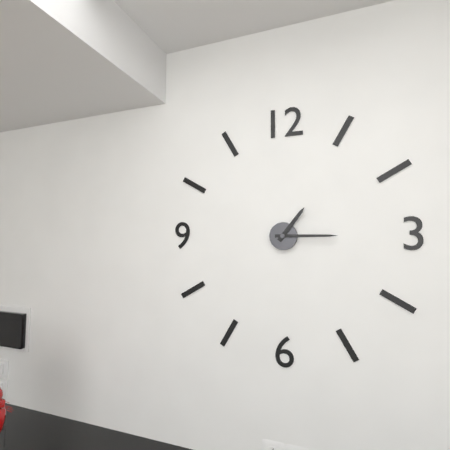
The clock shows 1h15
